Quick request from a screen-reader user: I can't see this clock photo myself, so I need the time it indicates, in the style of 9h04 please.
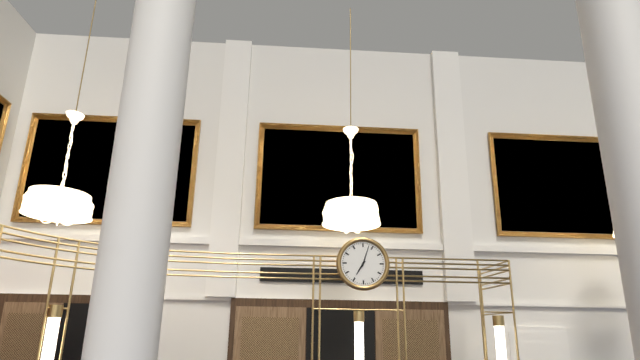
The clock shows 7h03
